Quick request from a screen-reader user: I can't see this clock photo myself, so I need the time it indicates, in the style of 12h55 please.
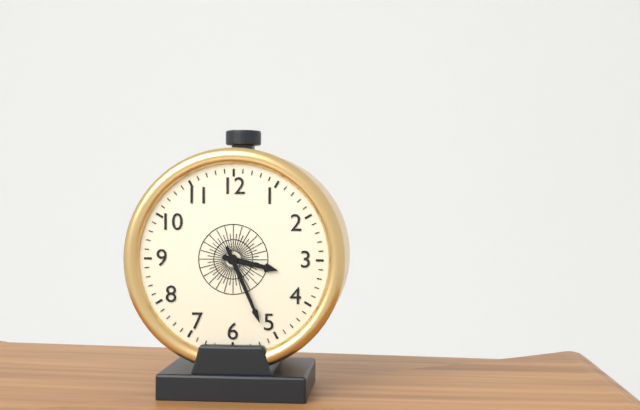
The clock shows 3h26
